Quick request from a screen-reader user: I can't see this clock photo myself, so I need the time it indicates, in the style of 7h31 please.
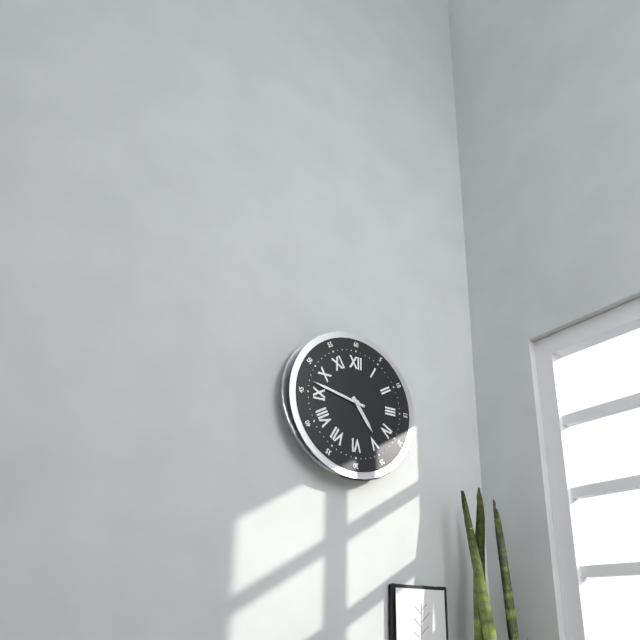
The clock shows 4h47
